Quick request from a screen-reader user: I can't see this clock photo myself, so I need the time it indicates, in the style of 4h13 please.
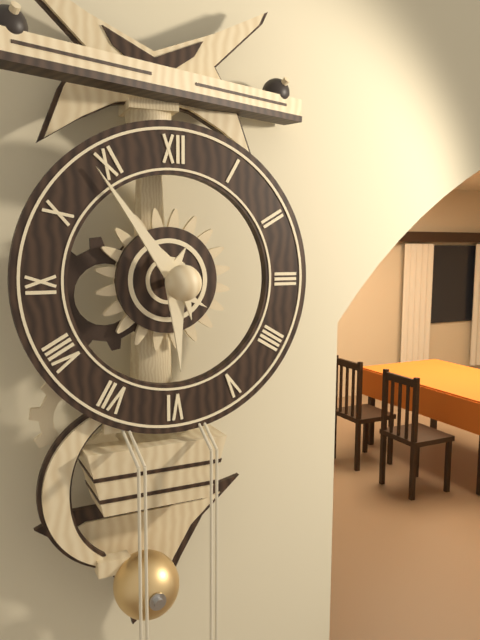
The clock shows 5h54
